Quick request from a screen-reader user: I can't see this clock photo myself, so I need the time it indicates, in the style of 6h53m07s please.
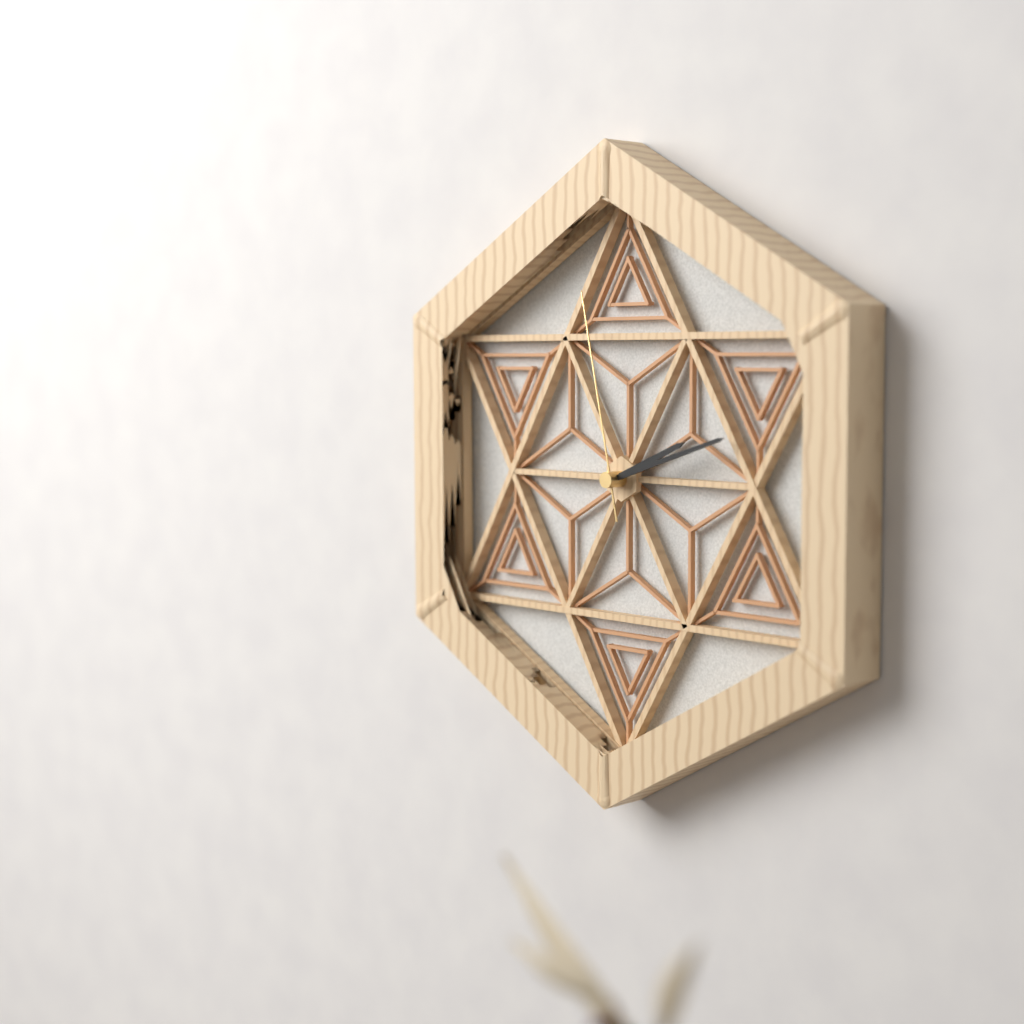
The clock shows 2h12m58s
